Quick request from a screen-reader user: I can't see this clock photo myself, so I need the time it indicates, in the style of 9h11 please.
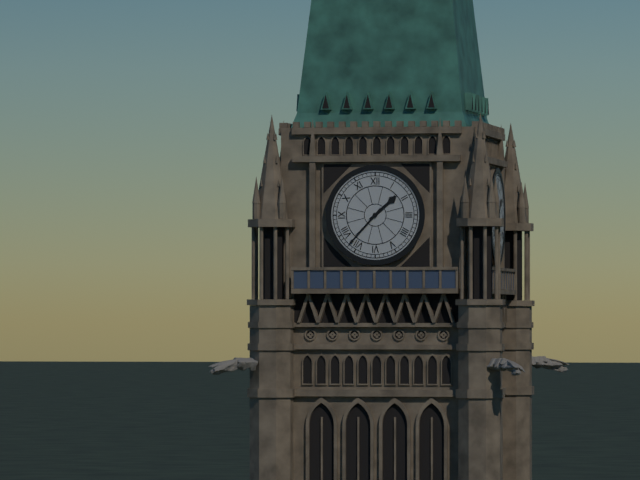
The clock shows 1h37
